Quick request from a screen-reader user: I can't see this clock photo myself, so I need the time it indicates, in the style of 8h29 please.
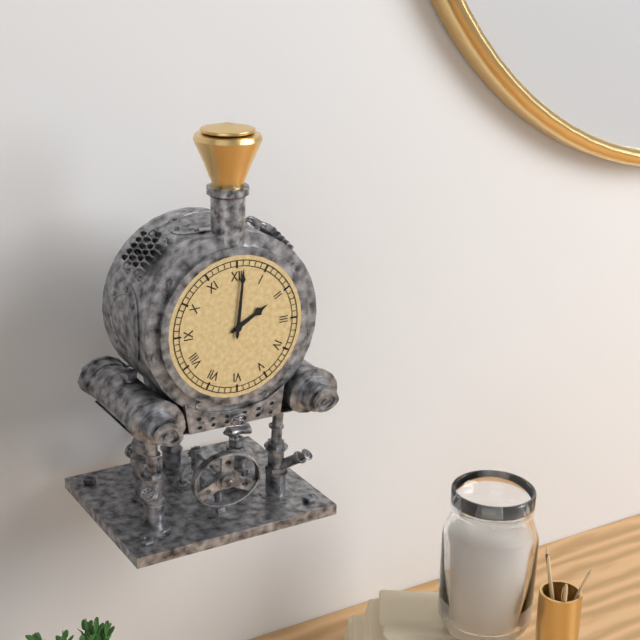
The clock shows 2h01
